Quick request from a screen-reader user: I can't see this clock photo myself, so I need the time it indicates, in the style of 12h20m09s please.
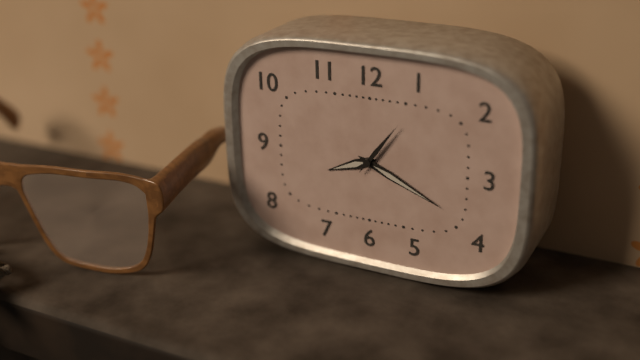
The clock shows 8h19m06s
